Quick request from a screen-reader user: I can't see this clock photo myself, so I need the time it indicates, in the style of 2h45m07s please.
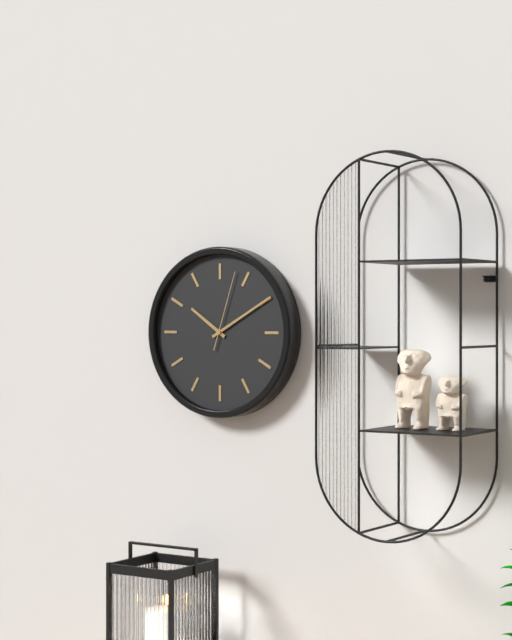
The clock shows 10h10m03s
